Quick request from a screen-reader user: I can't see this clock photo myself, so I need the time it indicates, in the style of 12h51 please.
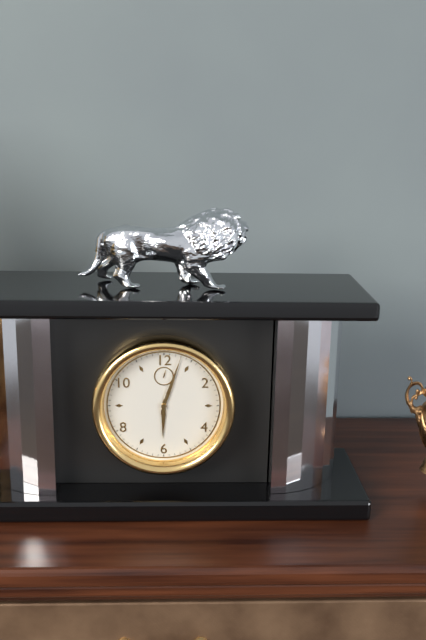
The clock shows 6h03
